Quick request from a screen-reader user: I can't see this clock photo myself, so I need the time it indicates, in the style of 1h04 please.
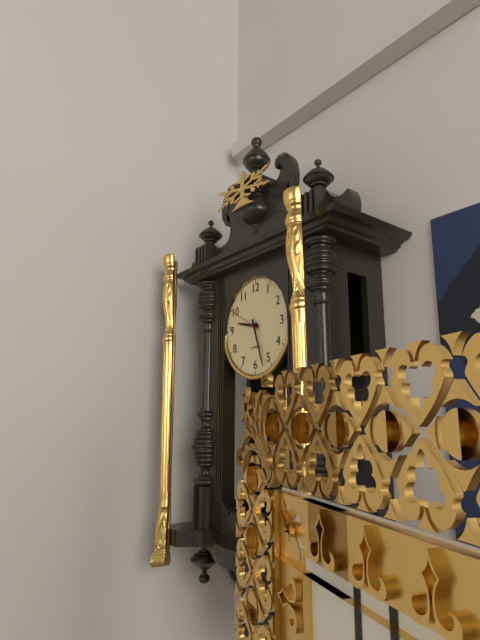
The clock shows 9h27
